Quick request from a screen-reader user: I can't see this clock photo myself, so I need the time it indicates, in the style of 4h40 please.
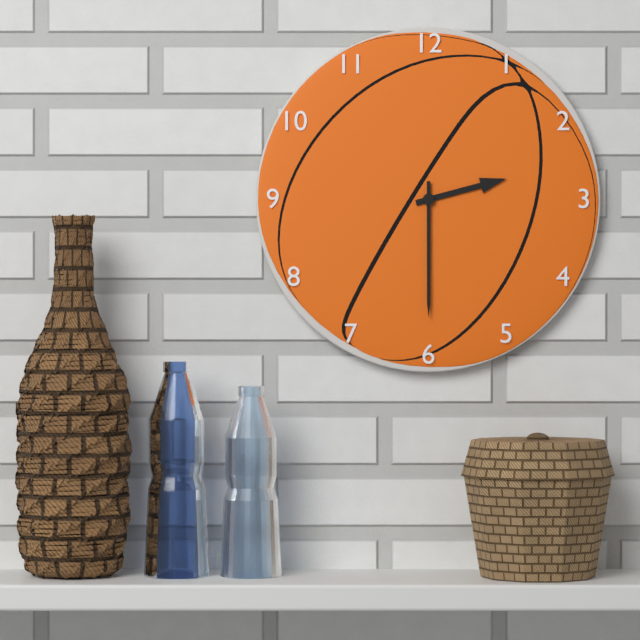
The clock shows 2h30
